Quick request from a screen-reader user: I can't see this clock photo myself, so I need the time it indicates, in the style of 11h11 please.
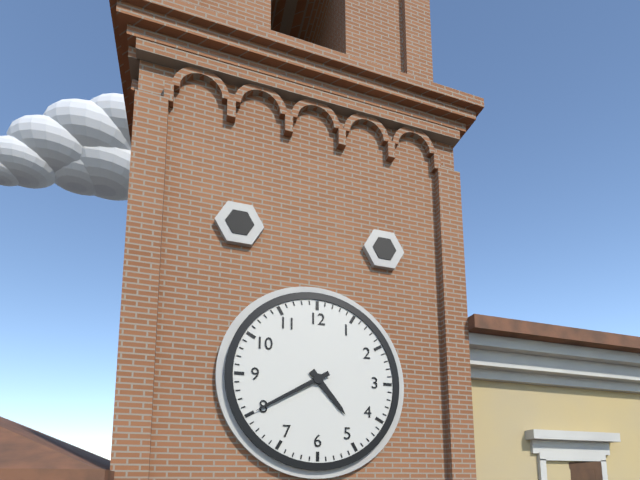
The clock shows 4h40
